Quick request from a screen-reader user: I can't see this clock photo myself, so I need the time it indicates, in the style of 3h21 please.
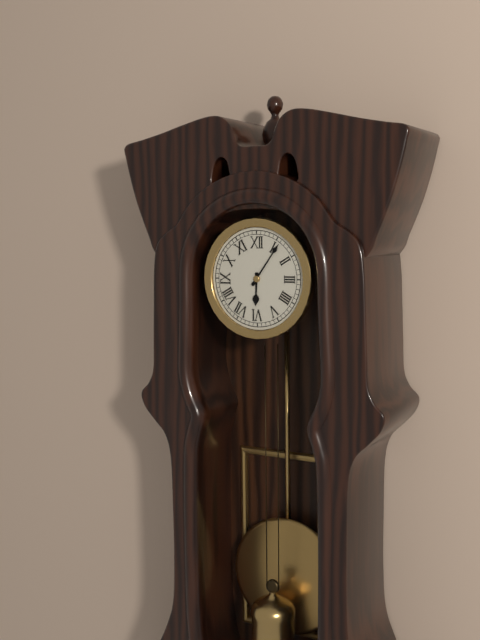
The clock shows 6h06
